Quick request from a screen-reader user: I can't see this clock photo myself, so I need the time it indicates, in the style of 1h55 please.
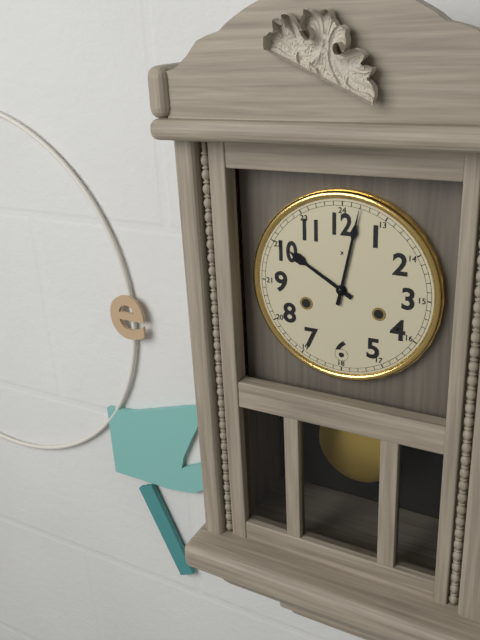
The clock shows 10h02
